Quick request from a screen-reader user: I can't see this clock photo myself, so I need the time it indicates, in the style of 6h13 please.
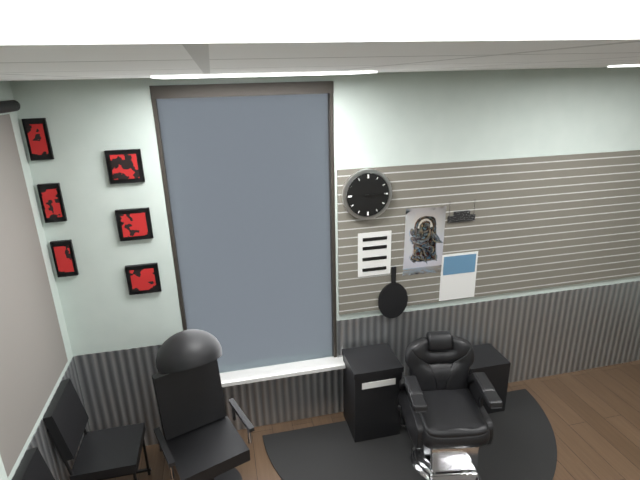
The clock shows 3h15
